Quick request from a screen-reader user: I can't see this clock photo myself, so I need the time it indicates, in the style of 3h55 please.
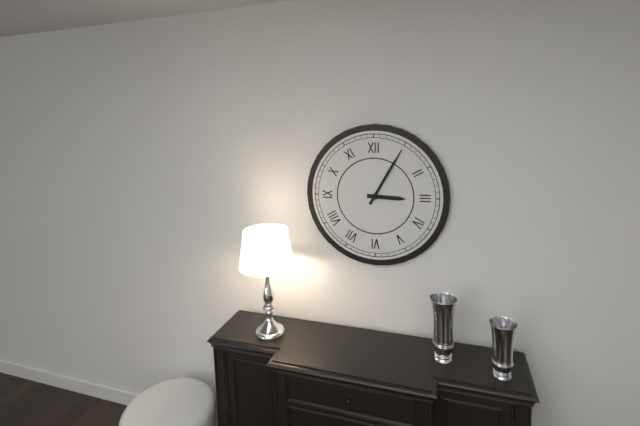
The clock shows 3h05
